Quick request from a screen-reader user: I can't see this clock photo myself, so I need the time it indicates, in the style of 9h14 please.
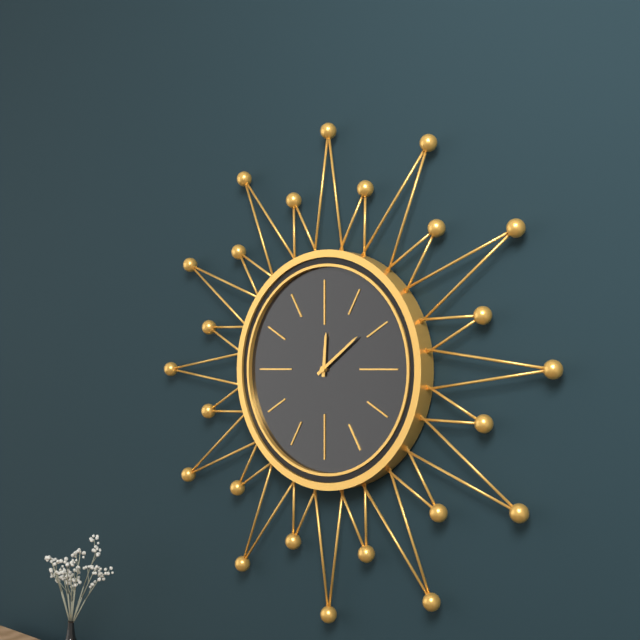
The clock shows 12h09
